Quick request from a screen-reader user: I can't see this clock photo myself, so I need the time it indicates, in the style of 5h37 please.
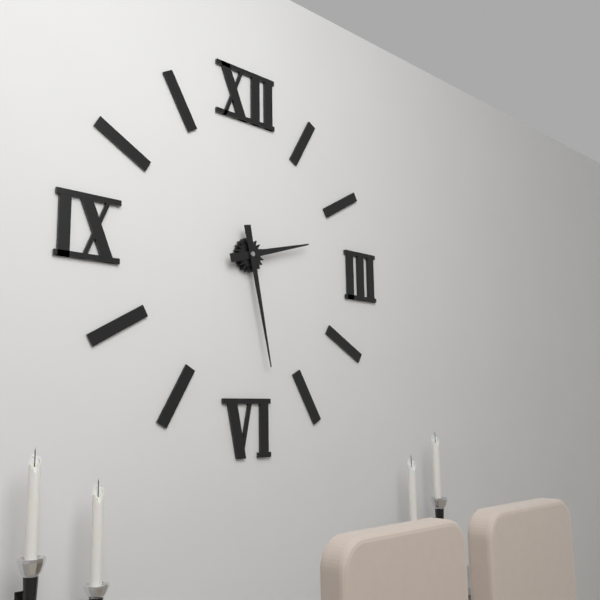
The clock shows 2h28
